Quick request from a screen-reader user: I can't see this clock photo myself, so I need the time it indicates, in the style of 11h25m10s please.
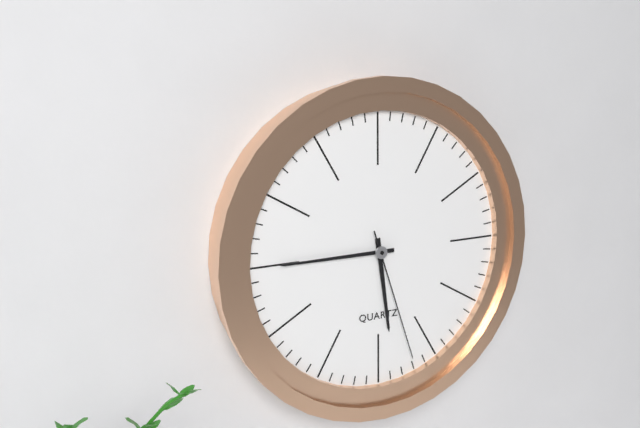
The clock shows 5h45m27s
